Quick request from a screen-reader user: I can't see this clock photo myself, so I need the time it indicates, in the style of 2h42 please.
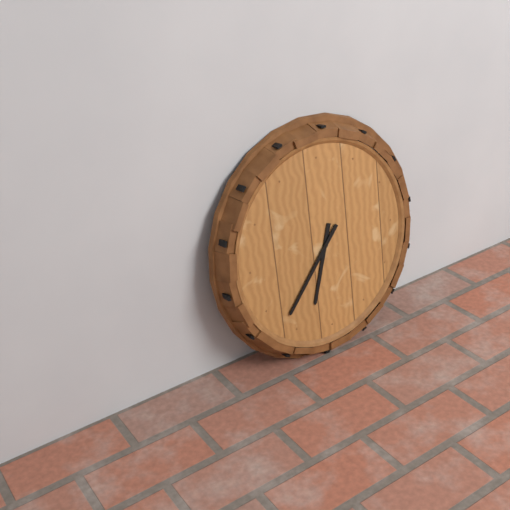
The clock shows 6h37
